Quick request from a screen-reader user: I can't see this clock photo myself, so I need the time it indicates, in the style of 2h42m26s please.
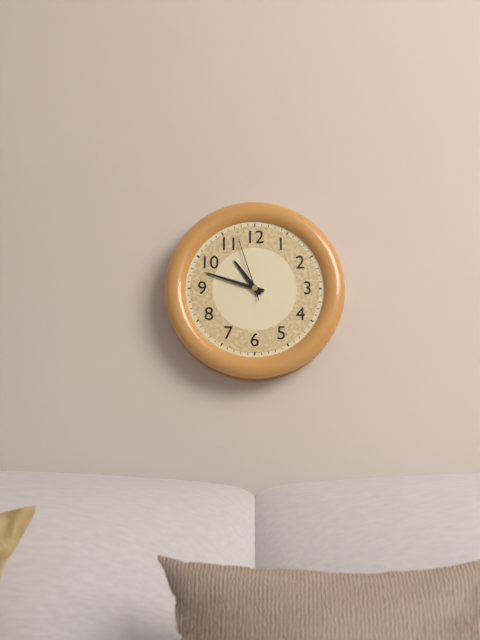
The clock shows 10h48m57s
